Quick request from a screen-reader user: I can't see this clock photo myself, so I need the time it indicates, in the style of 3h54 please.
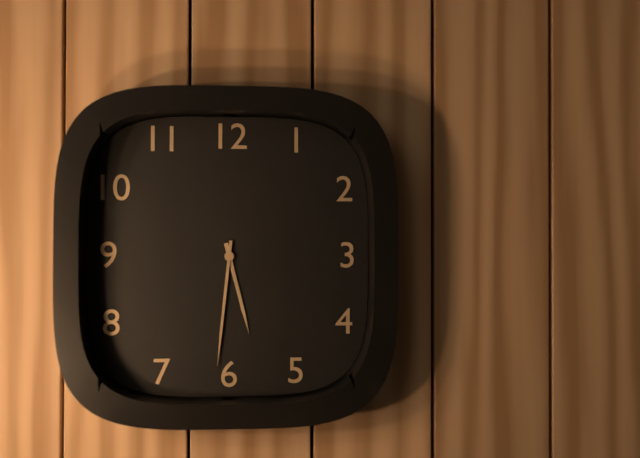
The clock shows 5h31
